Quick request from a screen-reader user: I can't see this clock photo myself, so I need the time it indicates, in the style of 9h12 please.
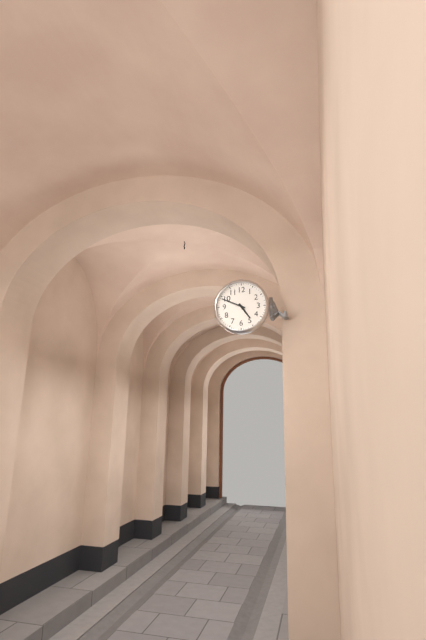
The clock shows 4h49
